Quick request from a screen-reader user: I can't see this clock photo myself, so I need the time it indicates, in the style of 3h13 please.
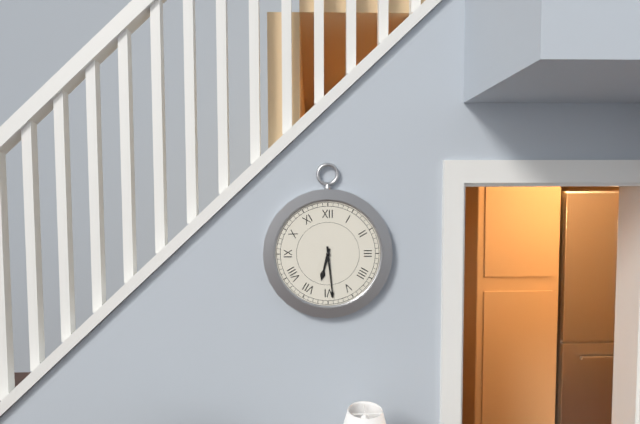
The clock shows 6h29
